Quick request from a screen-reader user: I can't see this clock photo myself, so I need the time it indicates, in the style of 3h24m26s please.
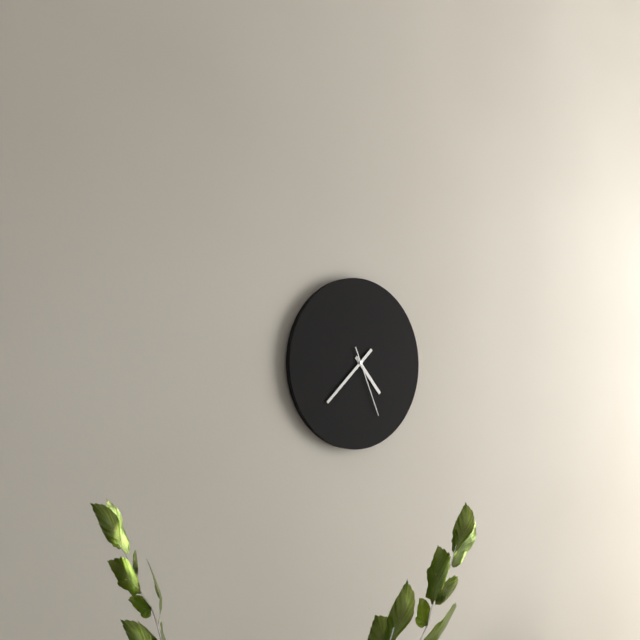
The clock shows 4h38m26s
